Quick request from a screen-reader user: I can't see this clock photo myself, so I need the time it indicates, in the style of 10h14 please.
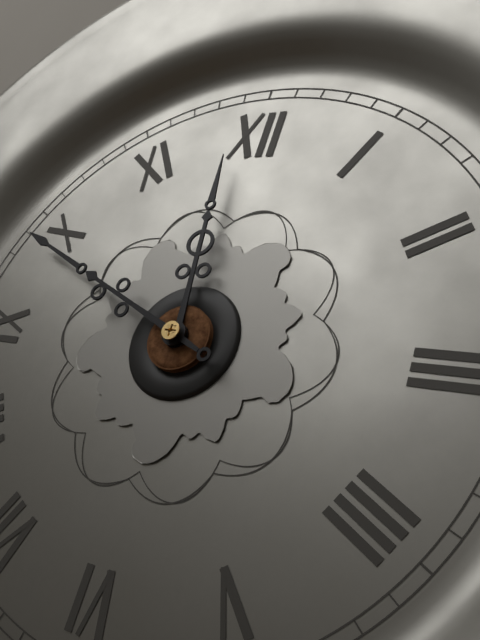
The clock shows 11h49
